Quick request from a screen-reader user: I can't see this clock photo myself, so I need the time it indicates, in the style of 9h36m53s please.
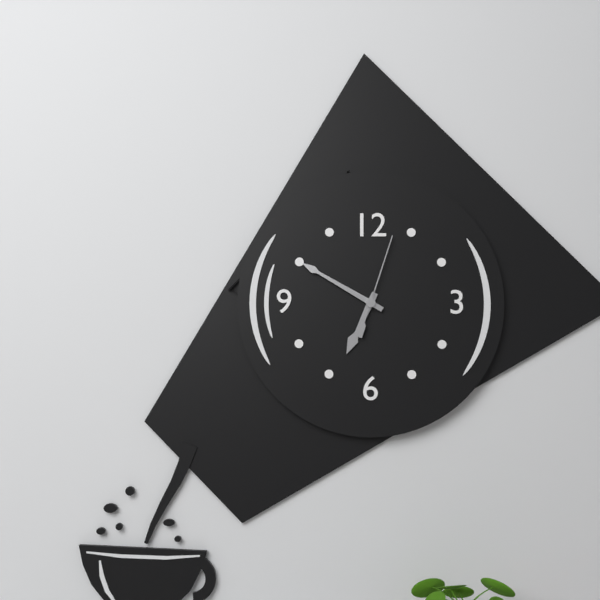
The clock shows 6h50m03s
